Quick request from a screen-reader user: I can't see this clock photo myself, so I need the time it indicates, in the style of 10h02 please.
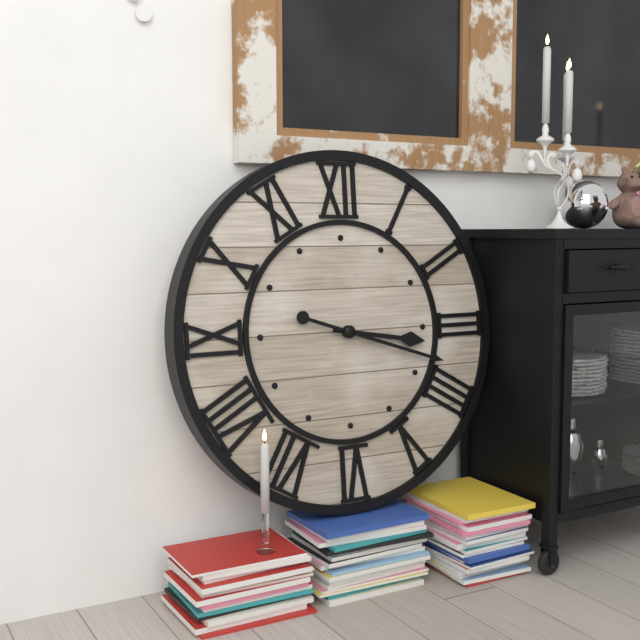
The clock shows 3h18
